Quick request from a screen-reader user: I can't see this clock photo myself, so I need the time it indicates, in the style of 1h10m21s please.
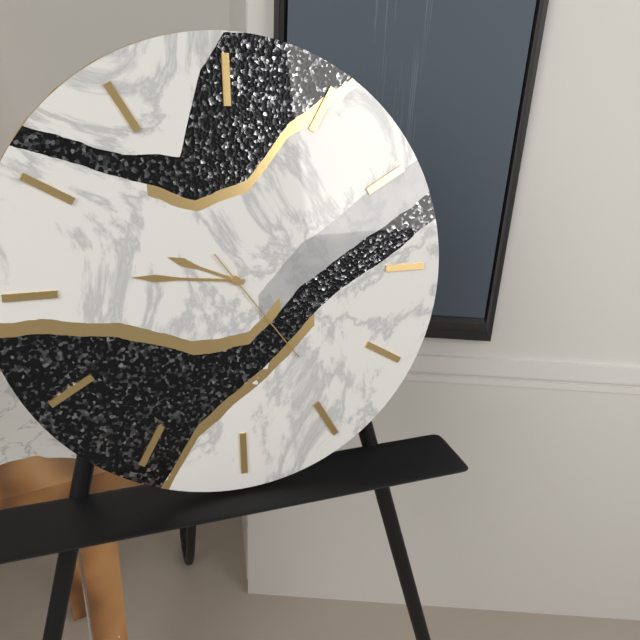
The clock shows 9h46m24s
